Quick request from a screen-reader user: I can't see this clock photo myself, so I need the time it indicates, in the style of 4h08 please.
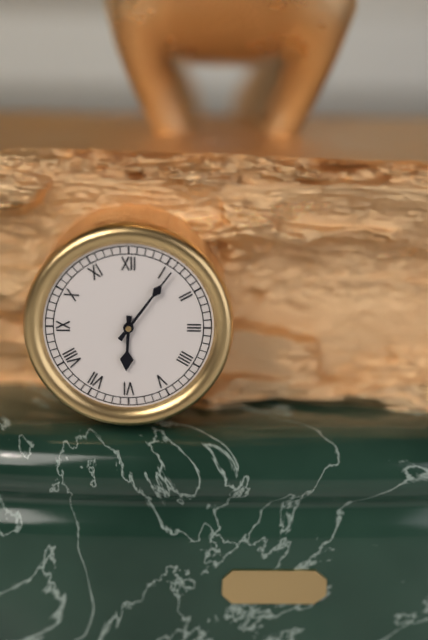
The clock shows 6h06
